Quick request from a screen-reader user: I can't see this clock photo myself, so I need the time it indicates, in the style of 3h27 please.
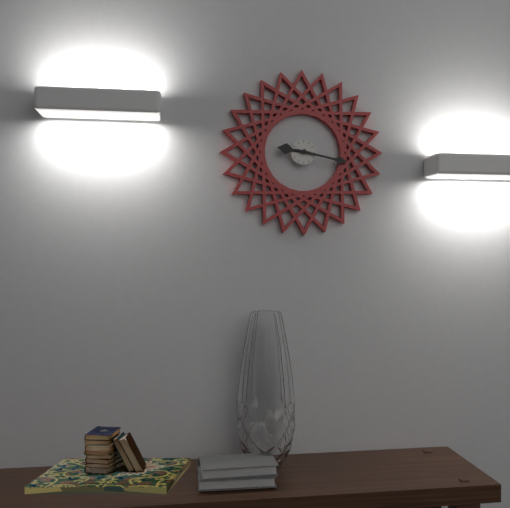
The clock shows 9h17
